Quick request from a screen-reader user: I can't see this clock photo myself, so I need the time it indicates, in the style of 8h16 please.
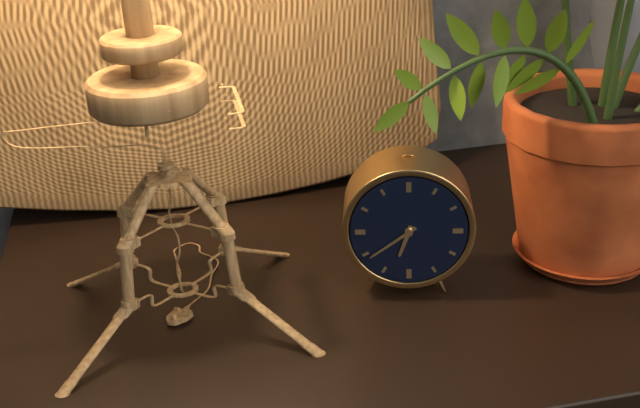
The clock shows 6h39
